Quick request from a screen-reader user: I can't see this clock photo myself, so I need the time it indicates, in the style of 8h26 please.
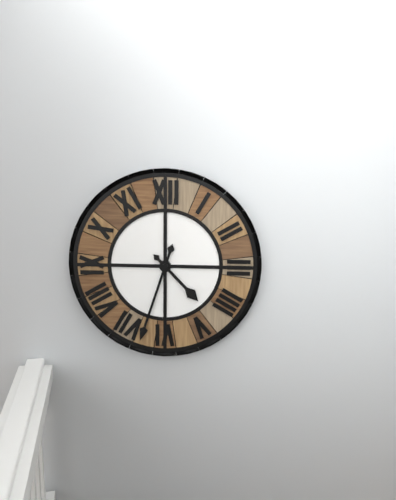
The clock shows 4h33
